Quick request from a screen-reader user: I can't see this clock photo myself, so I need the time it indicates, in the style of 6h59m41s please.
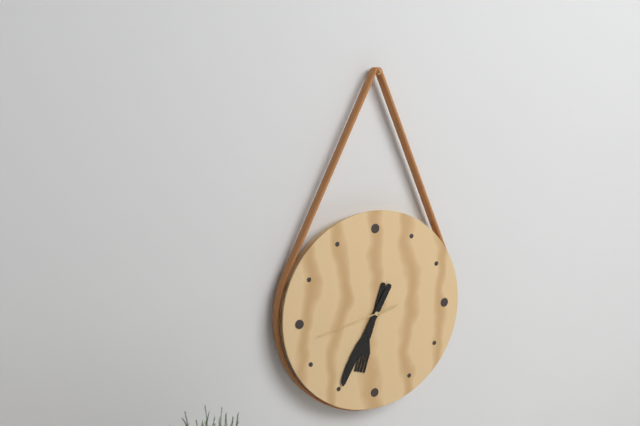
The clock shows 6h35m43s
